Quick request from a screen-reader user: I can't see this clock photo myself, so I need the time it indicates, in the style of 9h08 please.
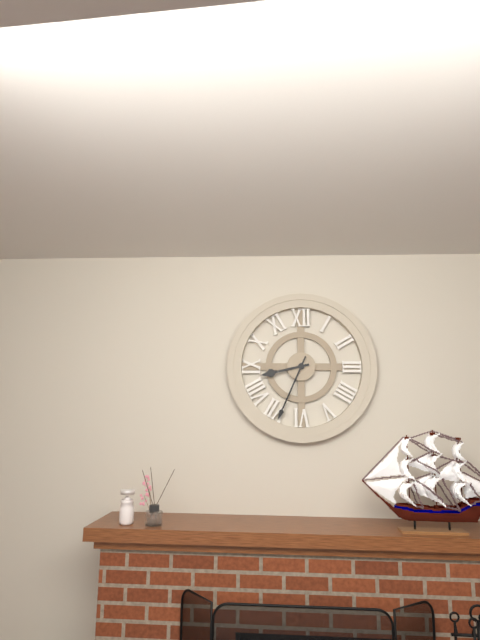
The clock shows 8h34
